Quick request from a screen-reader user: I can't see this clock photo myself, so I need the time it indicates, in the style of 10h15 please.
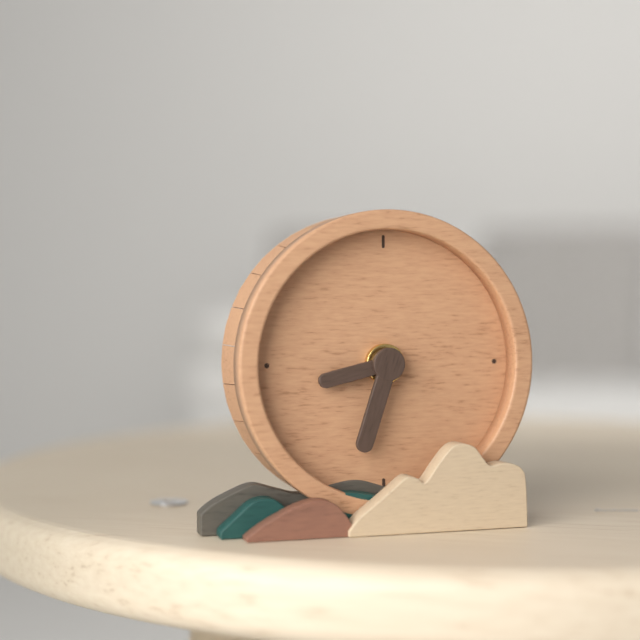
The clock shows 8h33
